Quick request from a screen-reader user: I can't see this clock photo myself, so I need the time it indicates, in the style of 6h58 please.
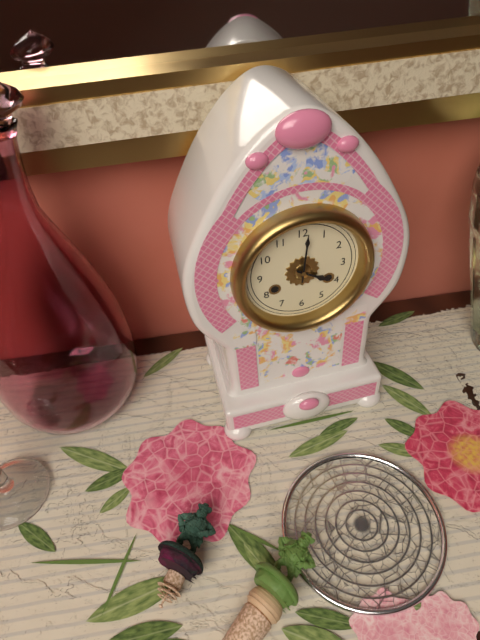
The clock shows 4h01
